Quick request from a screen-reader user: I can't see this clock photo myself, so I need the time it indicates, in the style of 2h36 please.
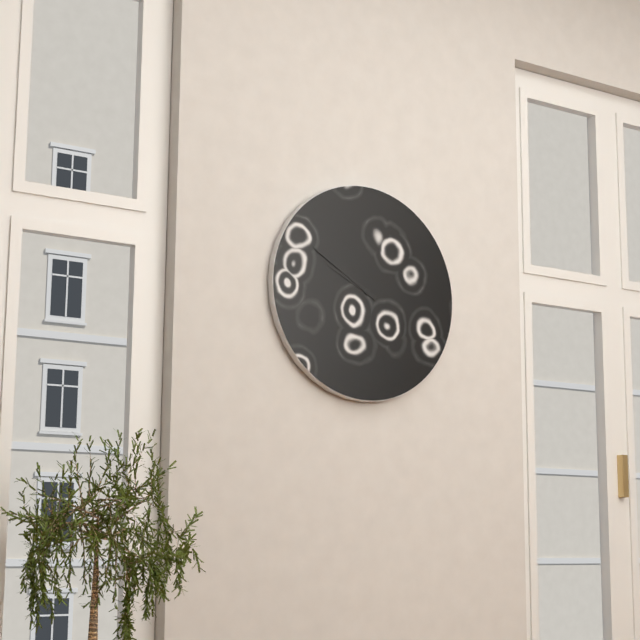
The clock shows 9h50
